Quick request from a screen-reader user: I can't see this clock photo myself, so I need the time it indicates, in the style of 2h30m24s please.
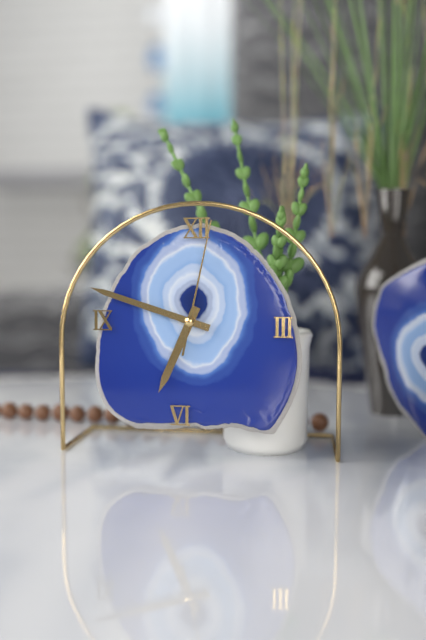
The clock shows 6h48m02s
